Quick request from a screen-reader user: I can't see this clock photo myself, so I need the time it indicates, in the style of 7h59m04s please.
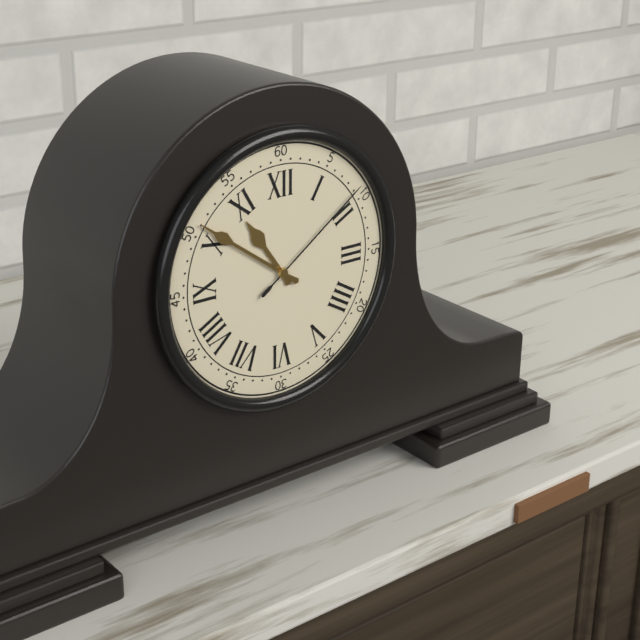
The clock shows 10h51m09s
